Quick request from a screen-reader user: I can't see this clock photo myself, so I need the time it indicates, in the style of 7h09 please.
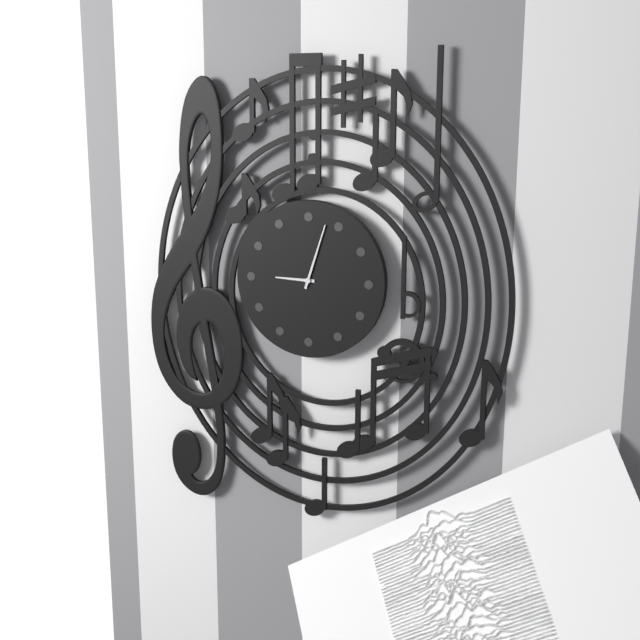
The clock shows 9h03
